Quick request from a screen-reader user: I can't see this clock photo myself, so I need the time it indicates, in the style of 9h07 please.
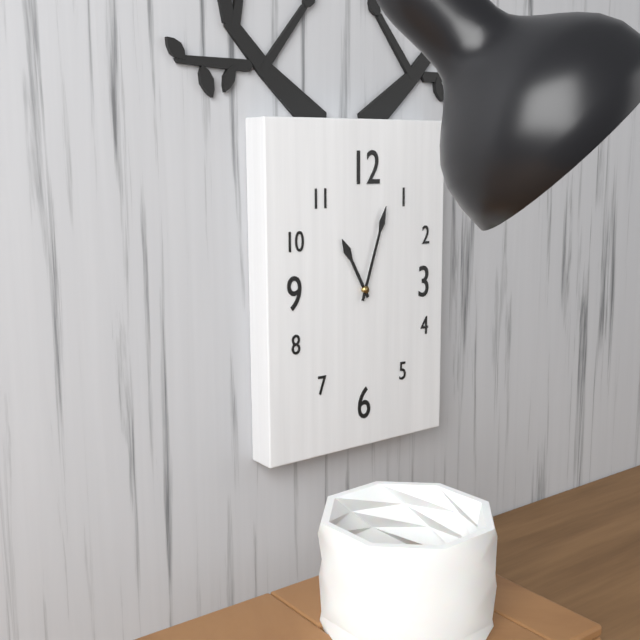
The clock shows 11h03
